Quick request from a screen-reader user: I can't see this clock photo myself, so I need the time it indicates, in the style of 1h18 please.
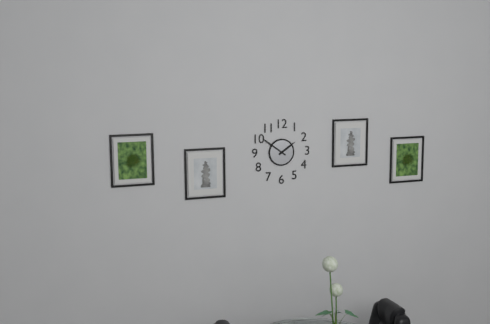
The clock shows 1h51
